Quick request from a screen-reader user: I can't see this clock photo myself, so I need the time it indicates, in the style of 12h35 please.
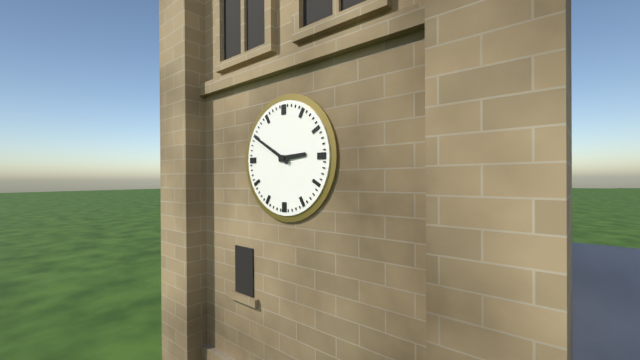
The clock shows 2h50
